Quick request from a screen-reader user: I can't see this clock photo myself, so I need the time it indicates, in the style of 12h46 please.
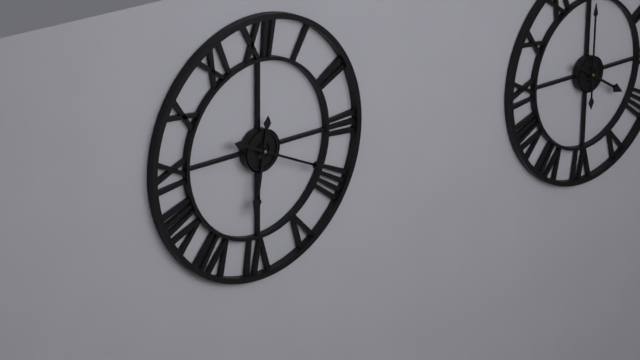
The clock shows 6h19
